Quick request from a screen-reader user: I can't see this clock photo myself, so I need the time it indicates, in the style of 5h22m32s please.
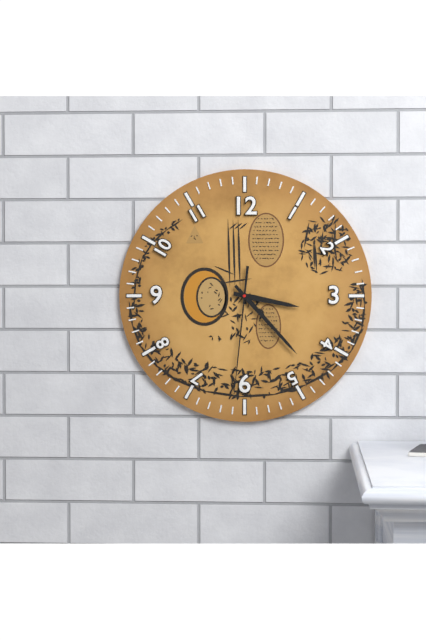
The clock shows 3h23m31s
